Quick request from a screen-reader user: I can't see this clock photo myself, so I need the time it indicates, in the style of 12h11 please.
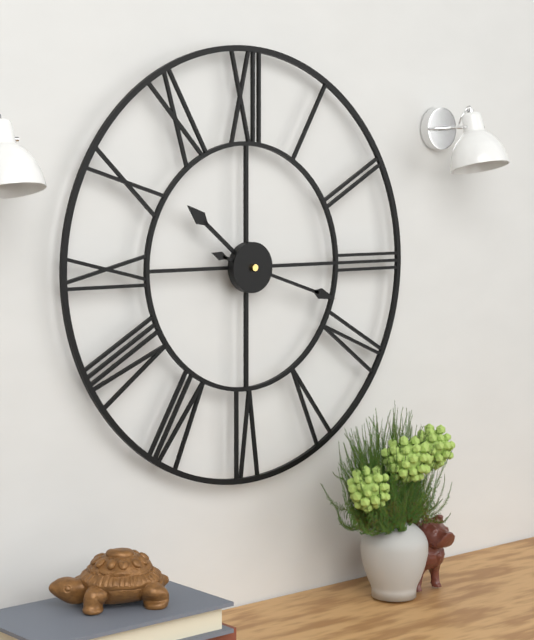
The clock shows 10h18
